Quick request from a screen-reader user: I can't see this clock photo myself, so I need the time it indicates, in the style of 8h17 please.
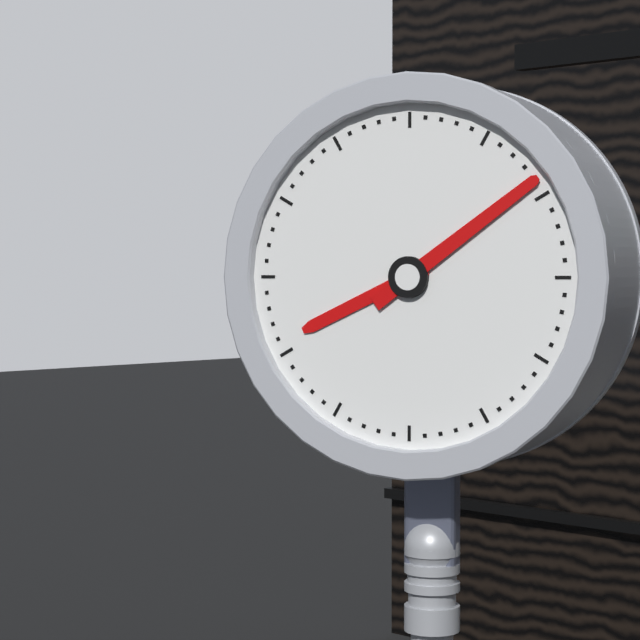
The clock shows 8h09
